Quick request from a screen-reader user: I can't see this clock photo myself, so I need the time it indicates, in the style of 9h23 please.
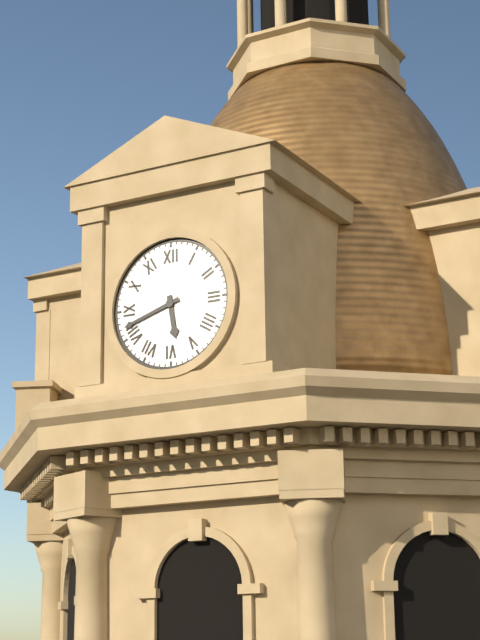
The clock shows 5h42
